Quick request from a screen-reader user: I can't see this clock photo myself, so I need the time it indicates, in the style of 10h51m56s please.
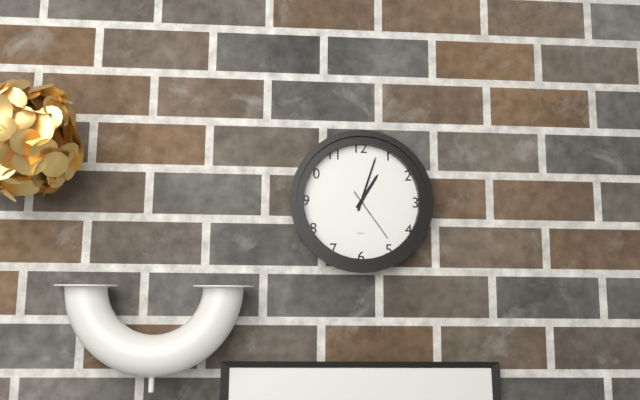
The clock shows 1h03m24s
